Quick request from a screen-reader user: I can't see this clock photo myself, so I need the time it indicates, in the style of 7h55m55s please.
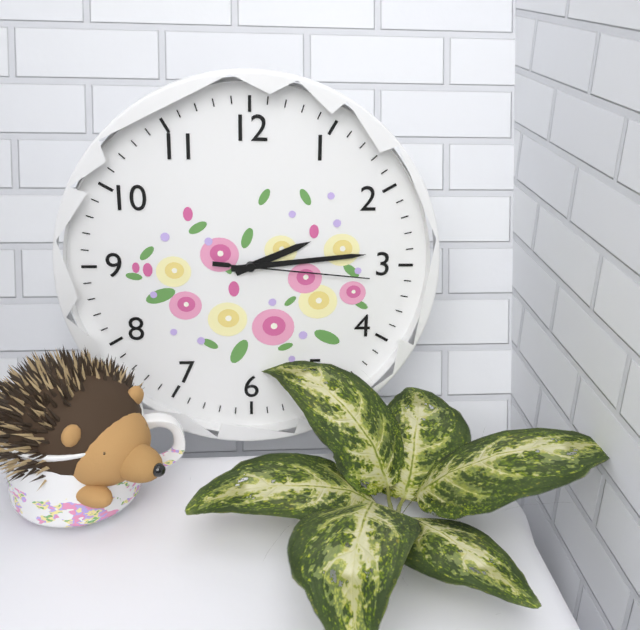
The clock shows 2h14m16s
